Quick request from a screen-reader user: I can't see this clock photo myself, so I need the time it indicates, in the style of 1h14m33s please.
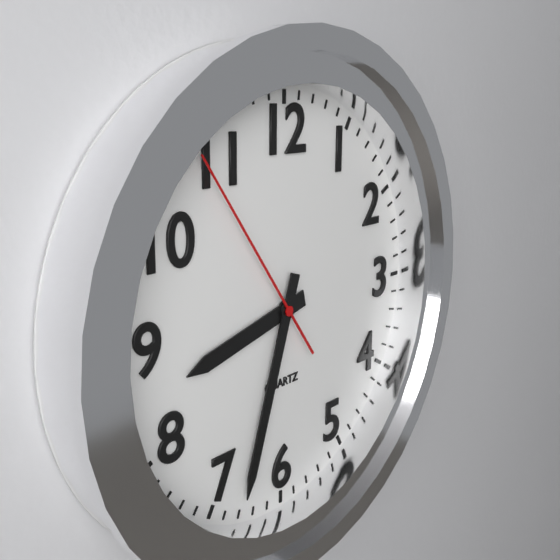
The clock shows 8h33m54s
